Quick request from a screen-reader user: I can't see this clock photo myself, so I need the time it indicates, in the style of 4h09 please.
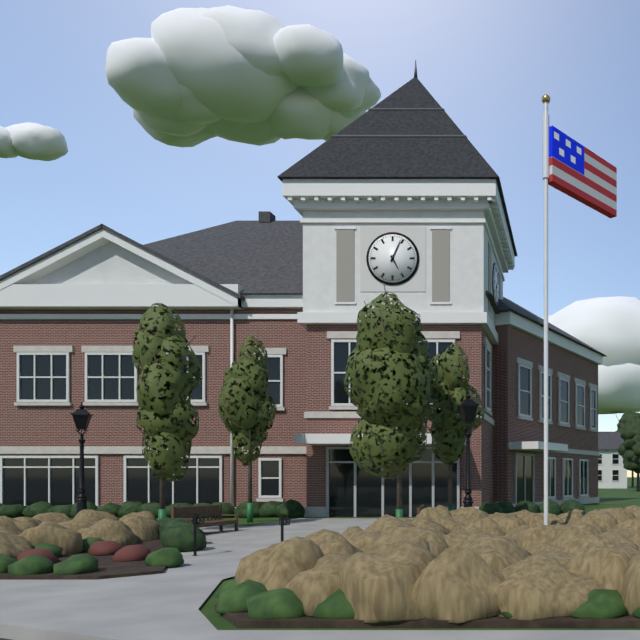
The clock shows 5h04
